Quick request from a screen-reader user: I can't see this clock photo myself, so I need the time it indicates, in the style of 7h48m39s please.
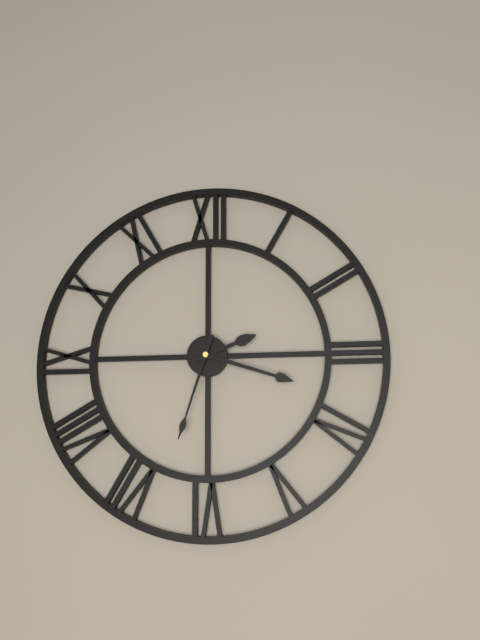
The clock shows 2h18m33s
